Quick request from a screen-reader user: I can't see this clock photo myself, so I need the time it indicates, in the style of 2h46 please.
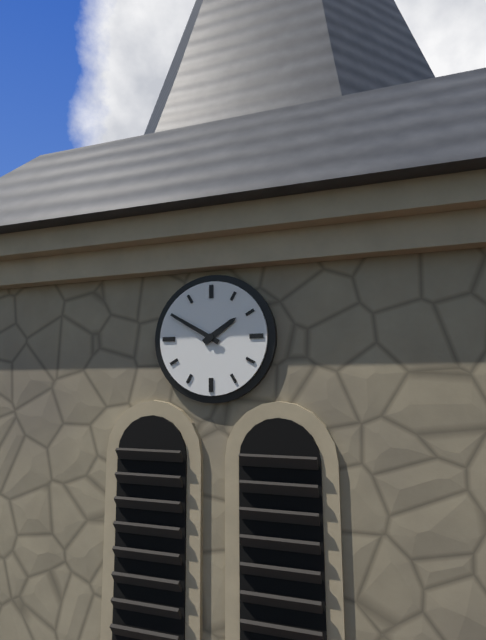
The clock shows 1h50
